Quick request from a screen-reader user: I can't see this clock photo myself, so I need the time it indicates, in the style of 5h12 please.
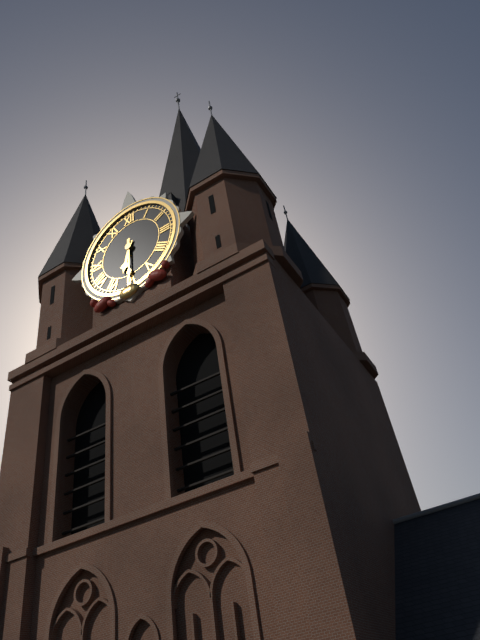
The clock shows 6h30
